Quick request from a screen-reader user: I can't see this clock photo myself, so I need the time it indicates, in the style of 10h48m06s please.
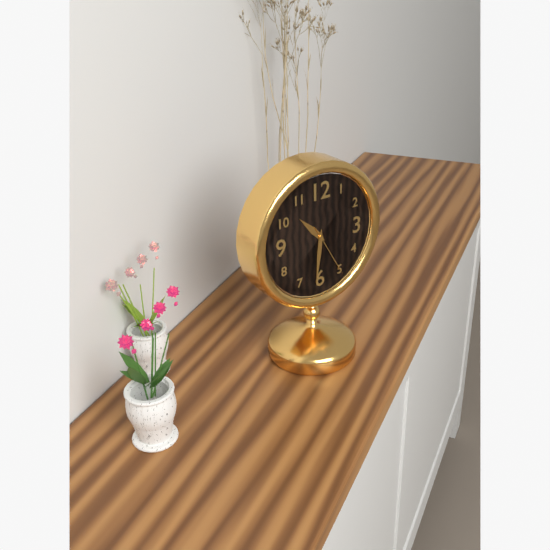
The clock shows 10h31m25s
